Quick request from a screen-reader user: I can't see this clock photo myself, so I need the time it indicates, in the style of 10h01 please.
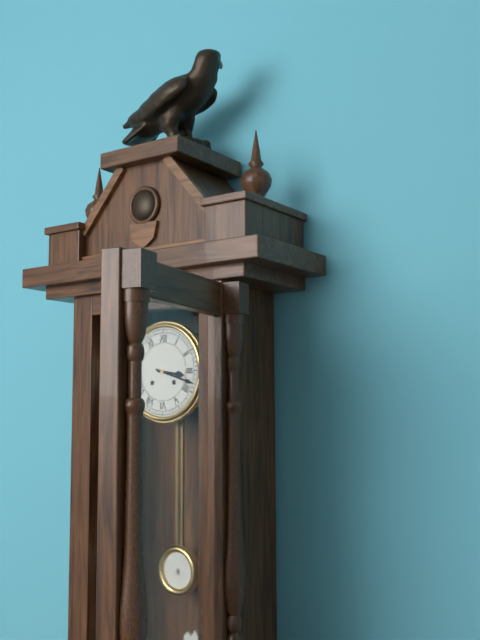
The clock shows 3h18
